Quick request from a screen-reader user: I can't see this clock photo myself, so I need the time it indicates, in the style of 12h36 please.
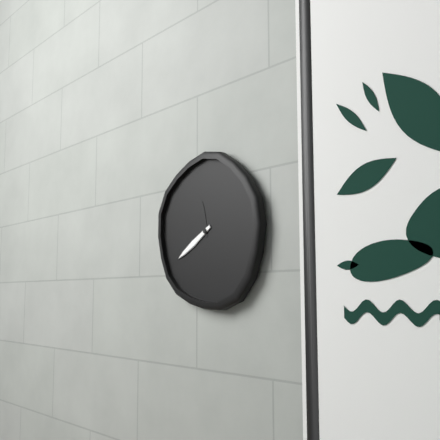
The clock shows 11h40
